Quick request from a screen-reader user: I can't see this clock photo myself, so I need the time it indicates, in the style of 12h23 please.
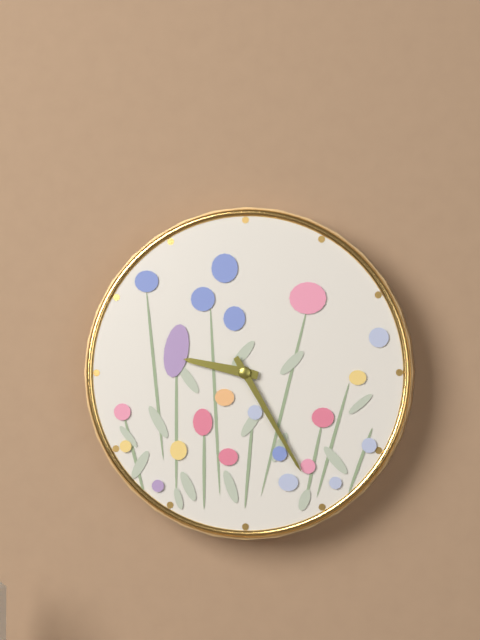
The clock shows 9h25
